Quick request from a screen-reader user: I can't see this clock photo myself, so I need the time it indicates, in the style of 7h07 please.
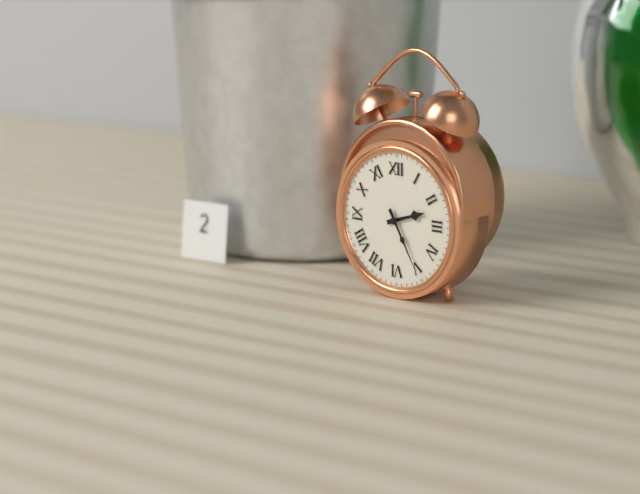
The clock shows 2h25
